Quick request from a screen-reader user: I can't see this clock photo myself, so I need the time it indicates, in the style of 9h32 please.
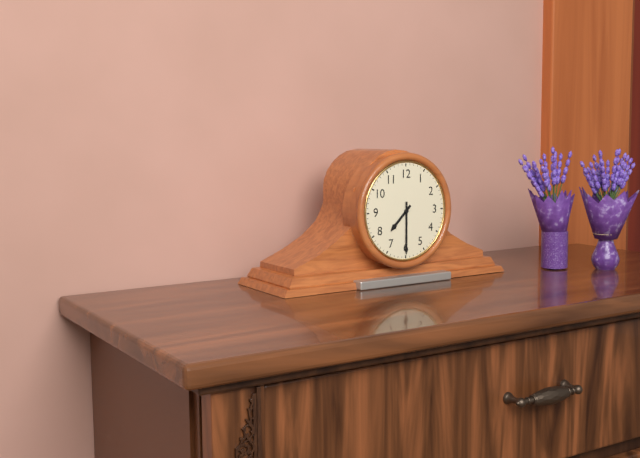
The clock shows 7h30
